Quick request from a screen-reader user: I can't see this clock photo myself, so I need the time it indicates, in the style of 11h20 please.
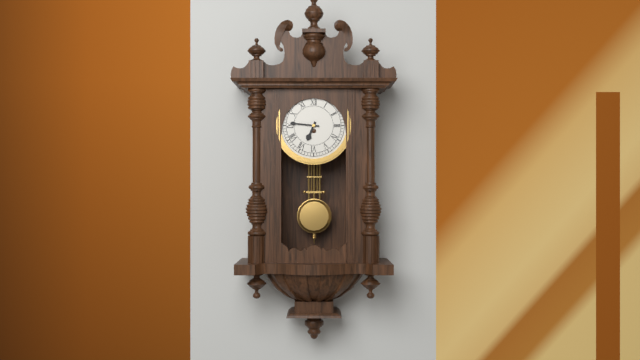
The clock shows 6h46
